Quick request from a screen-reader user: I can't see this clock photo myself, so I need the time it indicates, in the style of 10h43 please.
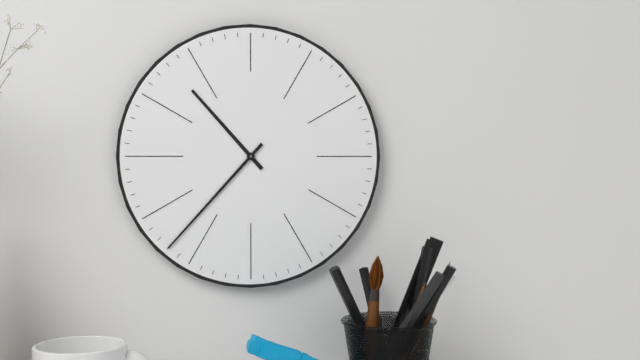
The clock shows 10h37
